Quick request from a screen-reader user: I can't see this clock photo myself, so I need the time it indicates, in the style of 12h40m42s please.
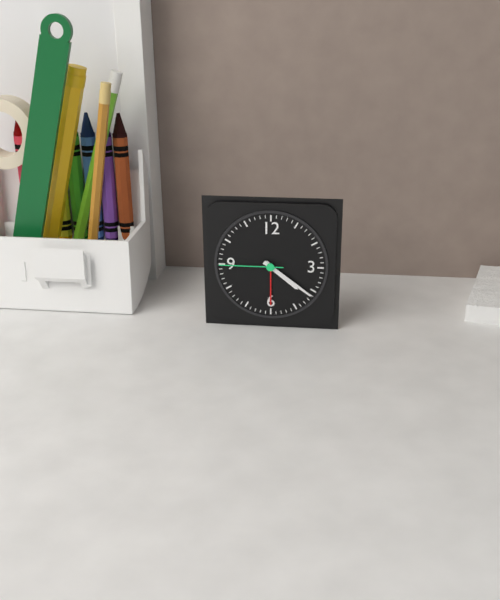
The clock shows 4h21m45s
